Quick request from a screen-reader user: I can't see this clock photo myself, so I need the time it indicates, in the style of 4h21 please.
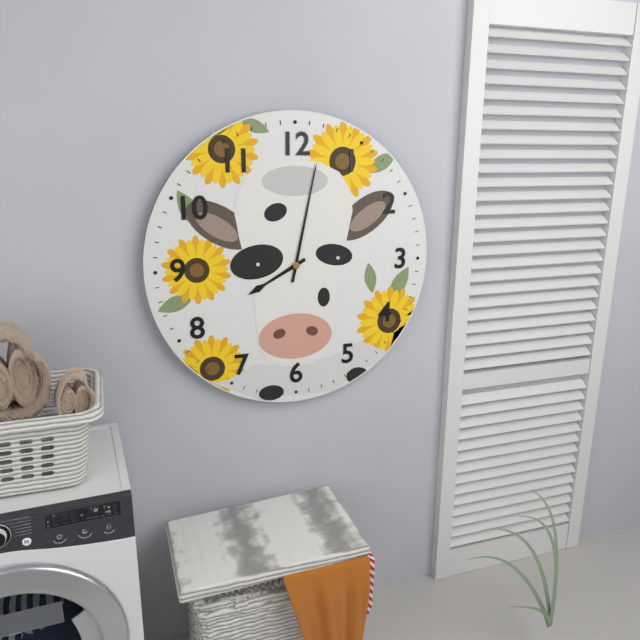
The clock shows 8h02
